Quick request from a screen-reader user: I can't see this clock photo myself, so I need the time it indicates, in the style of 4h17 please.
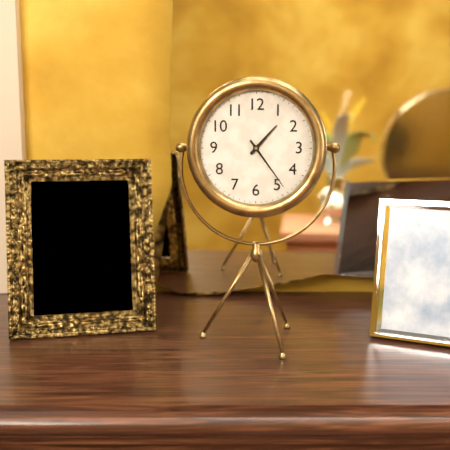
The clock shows 1h24
